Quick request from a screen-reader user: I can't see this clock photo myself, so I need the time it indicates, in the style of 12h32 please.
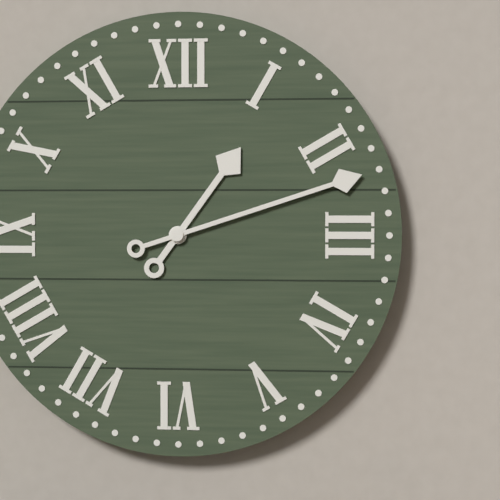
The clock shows 1h12
